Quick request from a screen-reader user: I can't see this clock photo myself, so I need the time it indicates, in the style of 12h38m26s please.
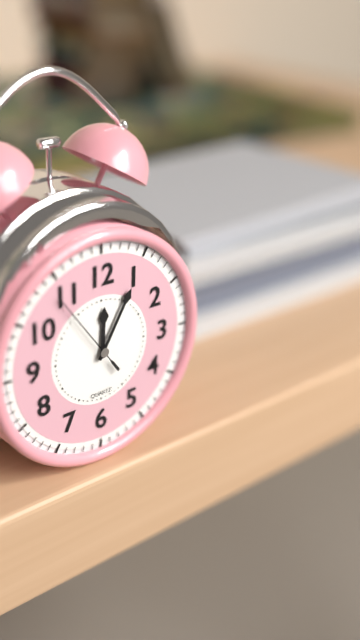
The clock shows 12h05m54s
